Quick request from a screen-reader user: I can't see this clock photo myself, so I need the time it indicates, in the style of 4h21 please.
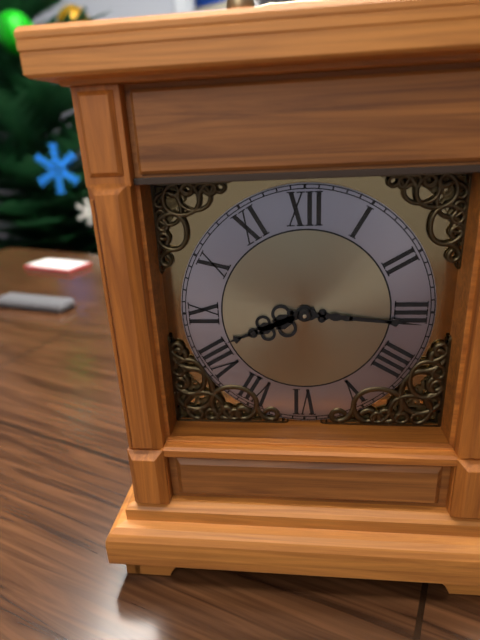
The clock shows 8h16
